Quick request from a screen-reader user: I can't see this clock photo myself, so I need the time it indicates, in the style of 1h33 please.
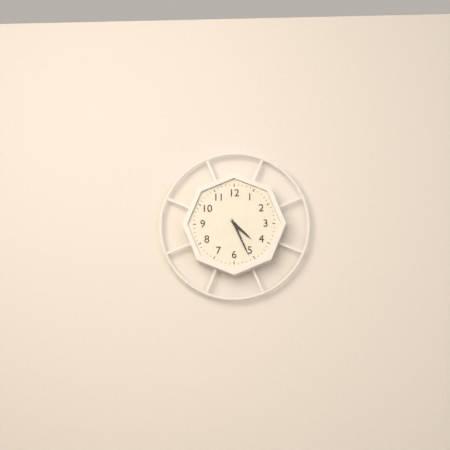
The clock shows 4h26
